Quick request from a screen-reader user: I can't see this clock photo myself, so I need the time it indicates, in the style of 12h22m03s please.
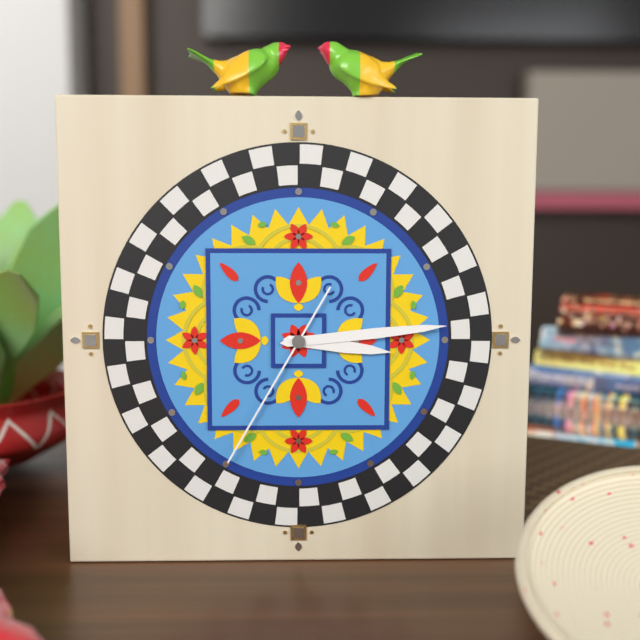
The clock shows 3h14m35s
